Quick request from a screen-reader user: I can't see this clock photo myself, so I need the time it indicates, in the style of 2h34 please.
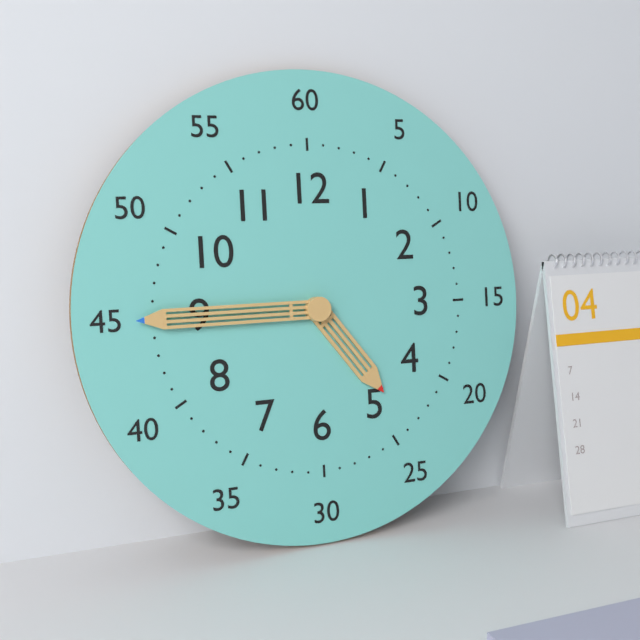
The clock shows 4h45
